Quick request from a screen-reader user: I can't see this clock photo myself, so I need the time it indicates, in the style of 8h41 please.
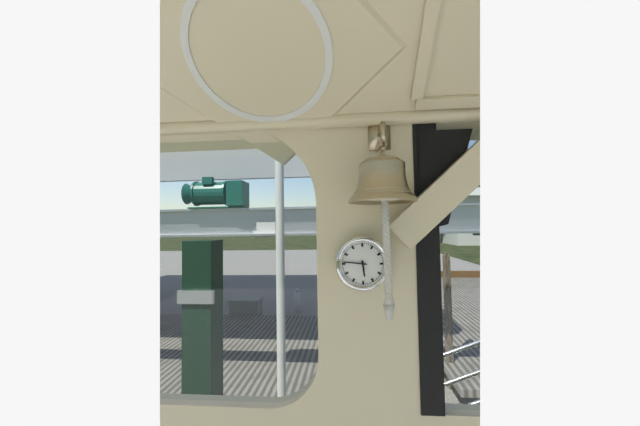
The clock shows 5h46
